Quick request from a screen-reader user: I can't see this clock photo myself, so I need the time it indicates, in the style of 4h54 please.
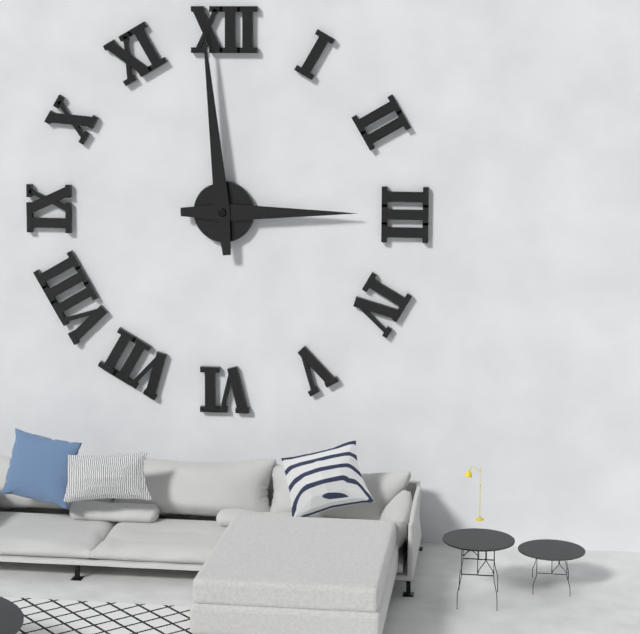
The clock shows 2h59
